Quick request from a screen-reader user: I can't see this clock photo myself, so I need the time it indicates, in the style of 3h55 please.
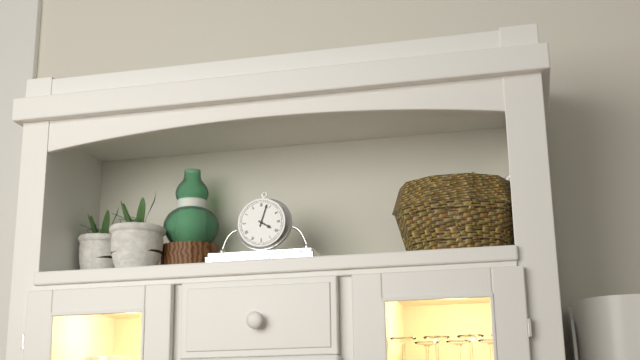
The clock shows 4h03
